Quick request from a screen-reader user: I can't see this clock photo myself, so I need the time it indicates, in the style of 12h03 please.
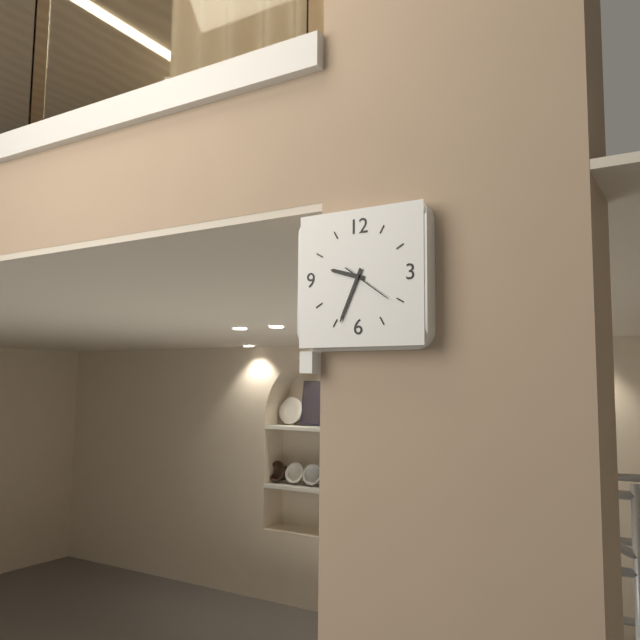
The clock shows 9h34
